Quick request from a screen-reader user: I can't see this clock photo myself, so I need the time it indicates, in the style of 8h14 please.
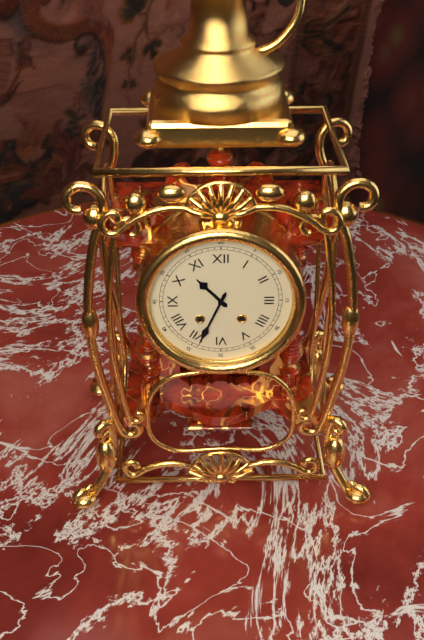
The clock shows 10h34
